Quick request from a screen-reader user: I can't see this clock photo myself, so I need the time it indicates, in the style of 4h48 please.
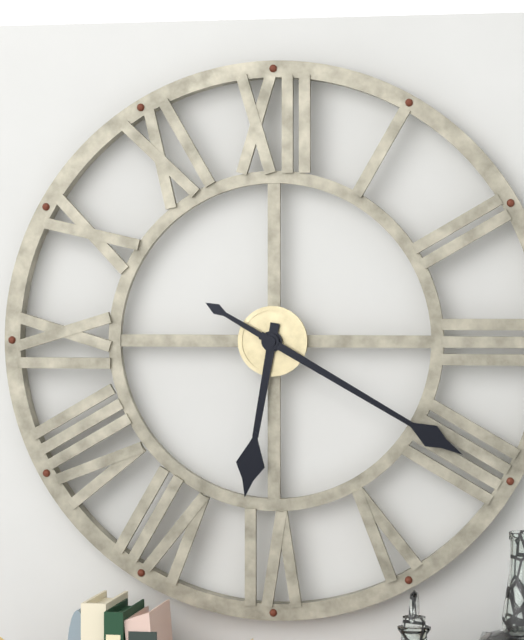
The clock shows 6h20
